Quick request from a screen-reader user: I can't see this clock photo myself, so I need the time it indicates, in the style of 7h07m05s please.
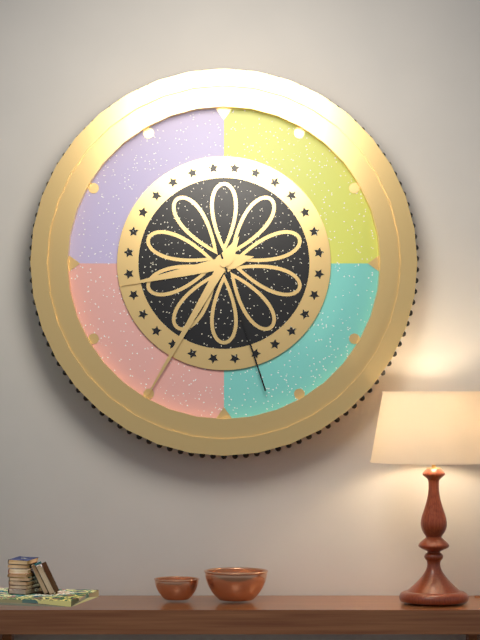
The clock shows 8h35m27s
